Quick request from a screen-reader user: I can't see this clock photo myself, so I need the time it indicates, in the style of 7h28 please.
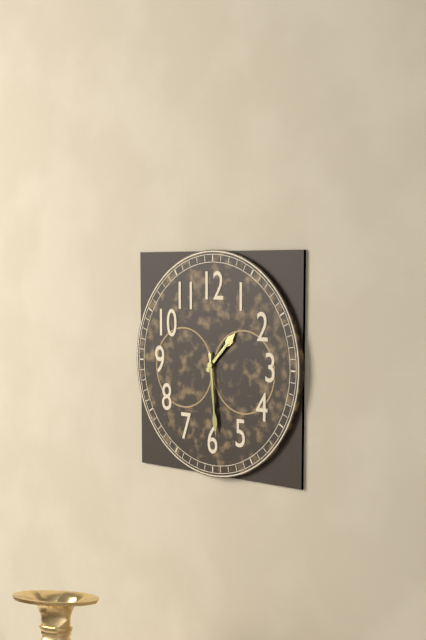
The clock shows 1h29
